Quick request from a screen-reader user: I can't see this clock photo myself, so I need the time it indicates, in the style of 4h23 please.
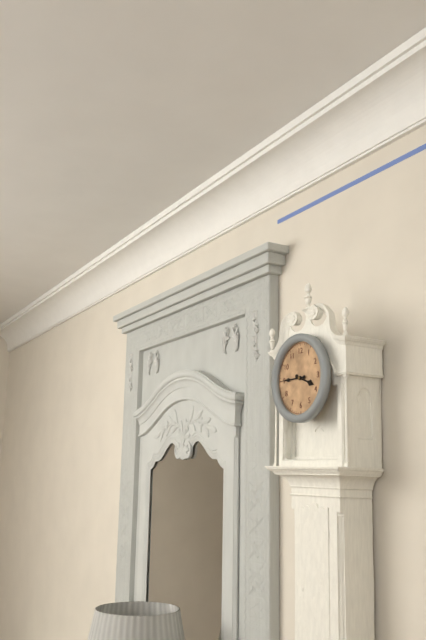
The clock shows 3h45
